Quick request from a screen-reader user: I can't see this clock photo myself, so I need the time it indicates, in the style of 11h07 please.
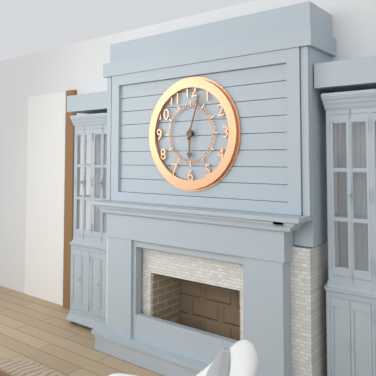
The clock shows 6h03
